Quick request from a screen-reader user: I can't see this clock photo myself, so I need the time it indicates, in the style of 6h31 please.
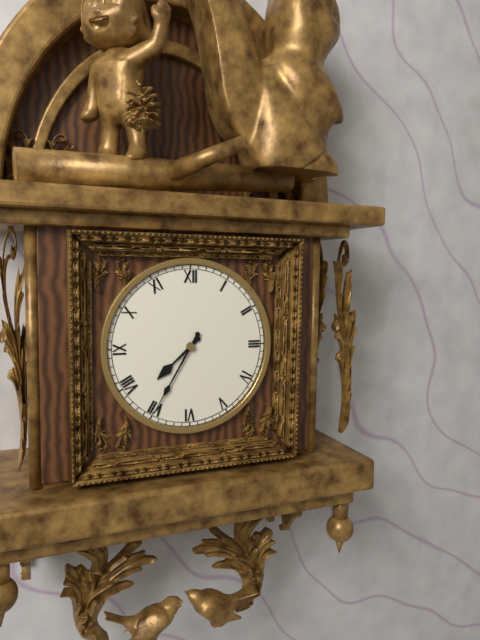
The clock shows 7h35
